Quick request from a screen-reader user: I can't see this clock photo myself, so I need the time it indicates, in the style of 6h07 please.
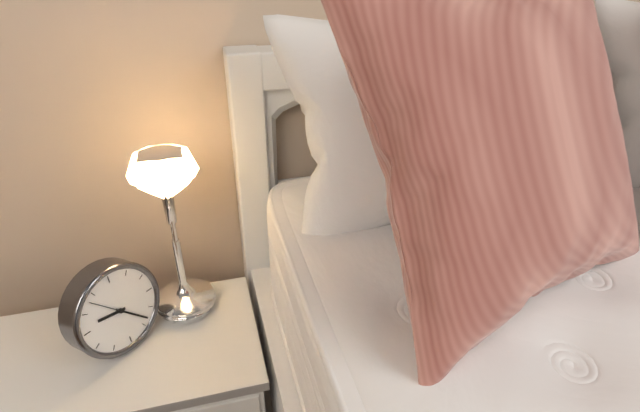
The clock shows 9h23
